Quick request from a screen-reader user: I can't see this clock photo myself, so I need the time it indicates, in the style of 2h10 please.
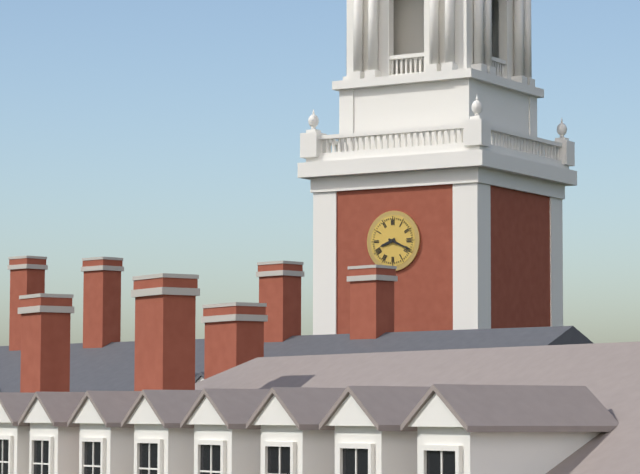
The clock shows 8h19
